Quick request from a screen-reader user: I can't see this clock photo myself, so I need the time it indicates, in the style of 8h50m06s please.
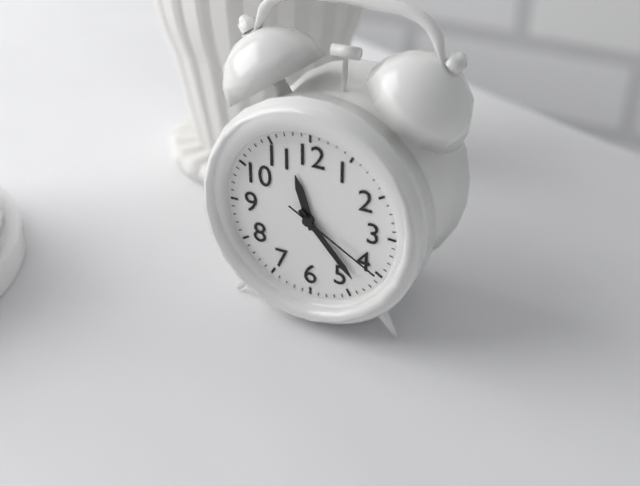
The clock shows 11h23m20s
